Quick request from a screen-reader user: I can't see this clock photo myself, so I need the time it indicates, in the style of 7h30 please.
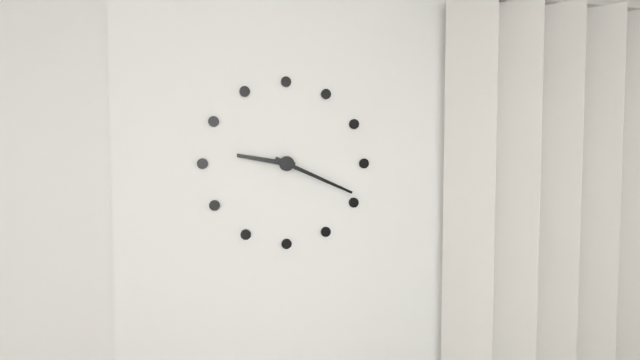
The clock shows 9h19
